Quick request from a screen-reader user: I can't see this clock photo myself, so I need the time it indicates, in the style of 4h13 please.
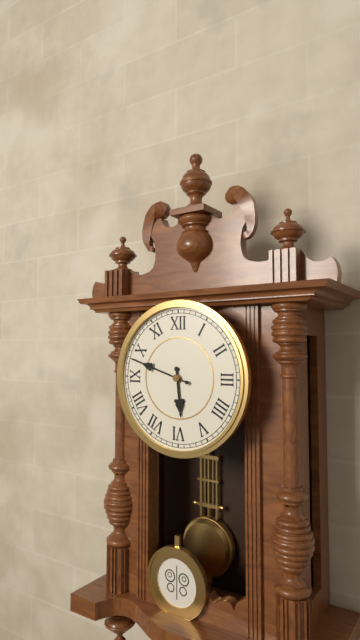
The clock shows 5h48
